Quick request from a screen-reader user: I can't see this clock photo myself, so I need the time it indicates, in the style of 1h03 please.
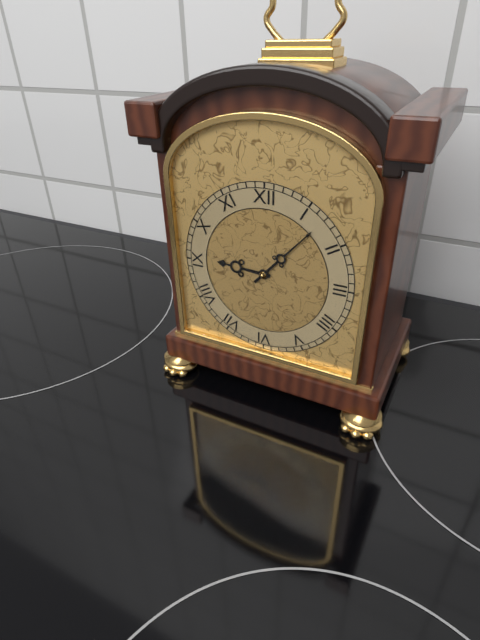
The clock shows 9h07
